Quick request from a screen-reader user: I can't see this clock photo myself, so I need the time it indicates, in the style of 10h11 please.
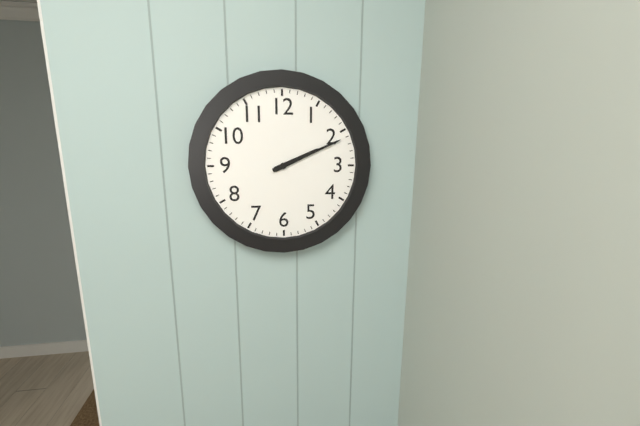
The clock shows 2h11
